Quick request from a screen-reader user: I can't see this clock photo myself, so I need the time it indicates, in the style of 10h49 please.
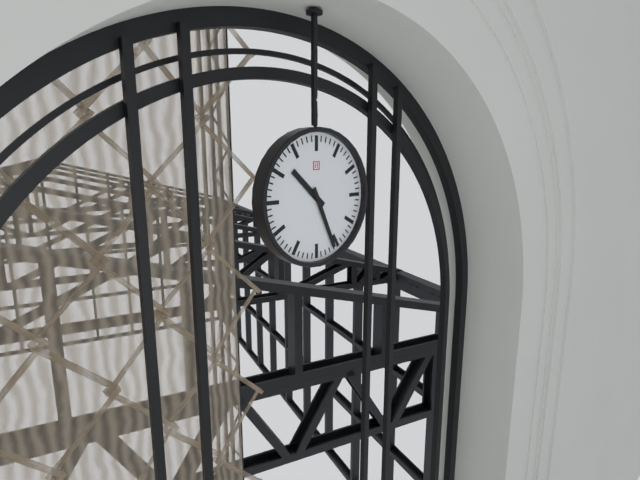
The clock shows 10h26
